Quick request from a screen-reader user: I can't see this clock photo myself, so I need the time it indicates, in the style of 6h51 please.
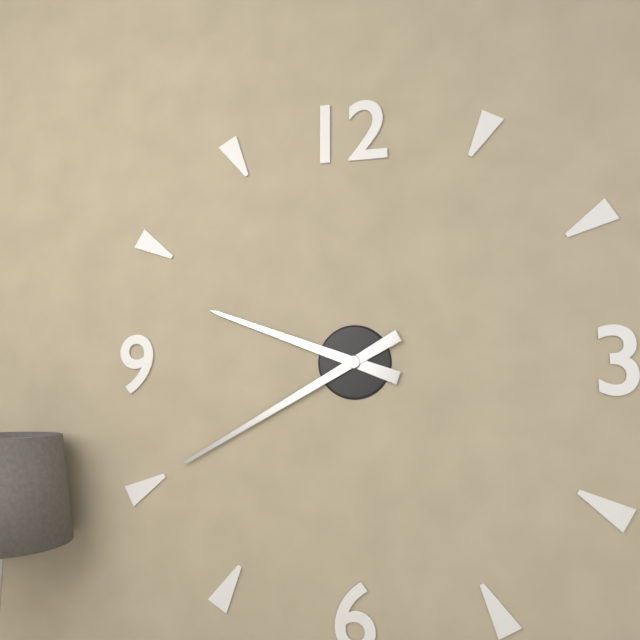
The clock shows 9h40
